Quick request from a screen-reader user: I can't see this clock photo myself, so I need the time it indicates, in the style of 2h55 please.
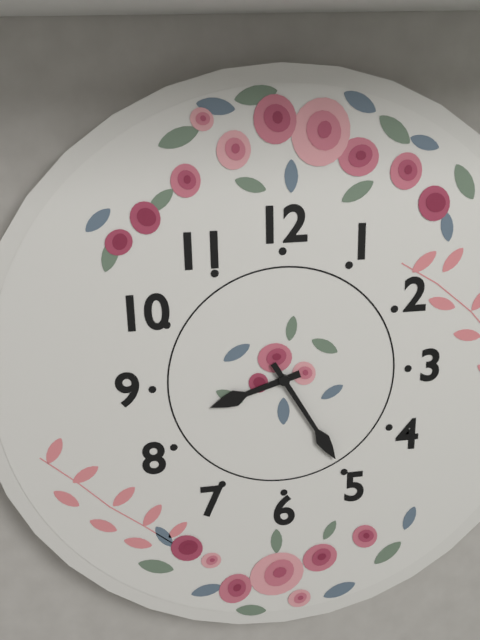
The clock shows 8h25
